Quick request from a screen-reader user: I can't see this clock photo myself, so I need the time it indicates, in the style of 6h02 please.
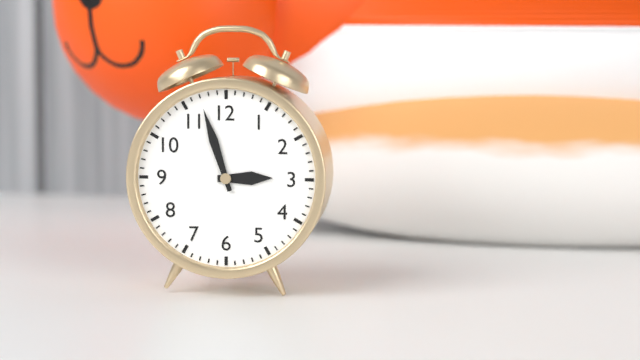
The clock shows 2h57
